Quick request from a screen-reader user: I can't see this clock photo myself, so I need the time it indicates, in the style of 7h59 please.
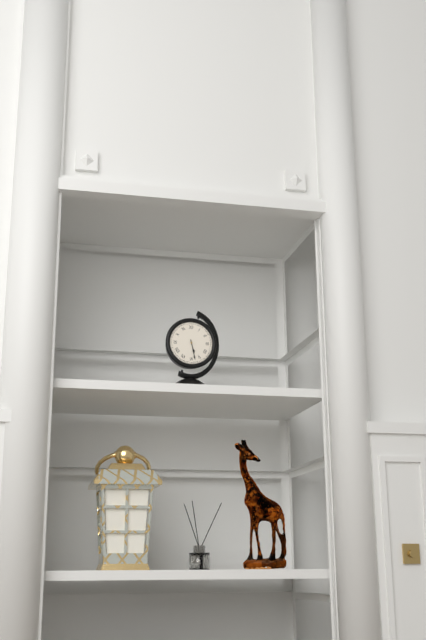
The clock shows 5h28
